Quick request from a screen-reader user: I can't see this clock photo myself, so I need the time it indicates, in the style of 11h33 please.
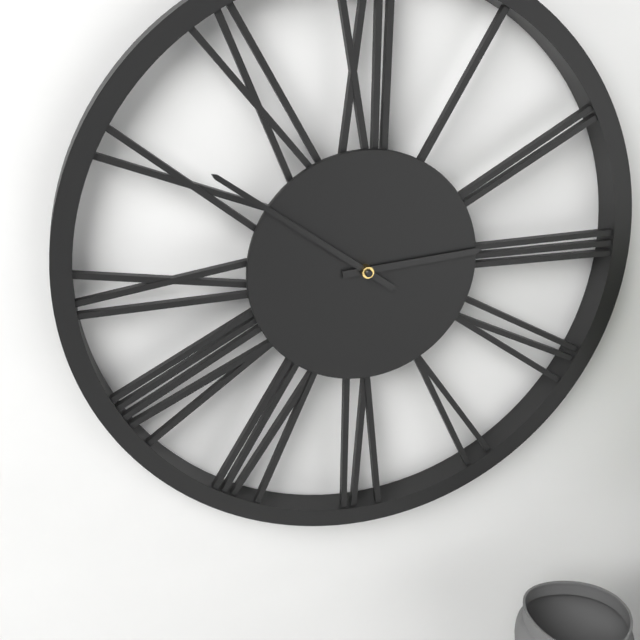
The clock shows 2h51
